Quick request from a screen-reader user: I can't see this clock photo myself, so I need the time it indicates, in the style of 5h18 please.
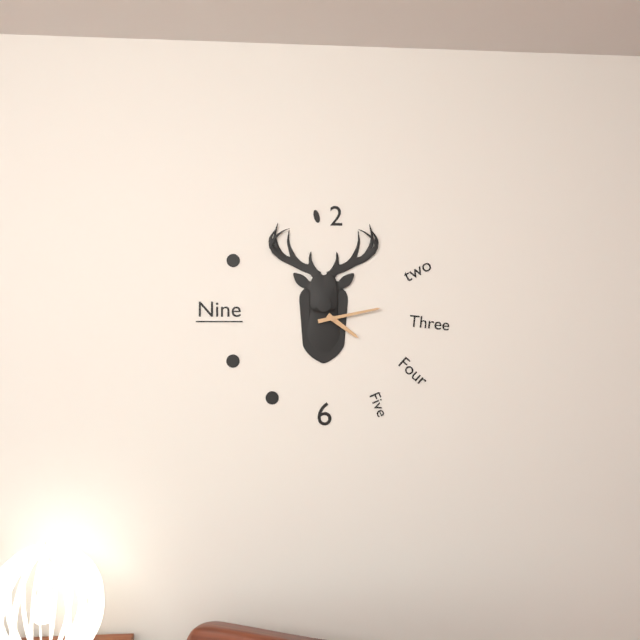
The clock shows 4h13
